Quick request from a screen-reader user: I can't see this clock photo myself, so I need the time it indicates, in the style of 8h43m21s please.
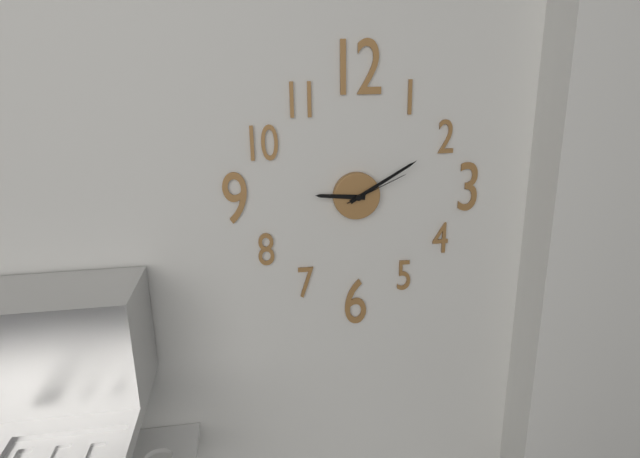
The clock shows 9h10m11s
